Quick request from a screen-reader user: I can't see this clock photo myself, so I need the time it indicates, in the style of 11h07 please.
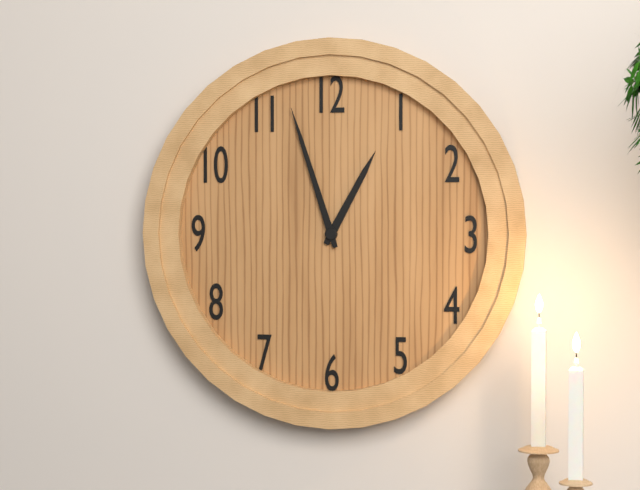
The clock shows 12h57
